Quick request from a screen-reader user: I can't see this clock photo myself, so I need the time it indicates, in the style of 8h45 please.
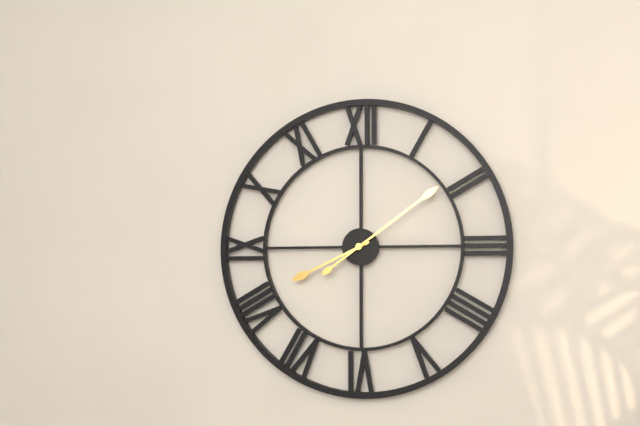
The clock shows 8h09
